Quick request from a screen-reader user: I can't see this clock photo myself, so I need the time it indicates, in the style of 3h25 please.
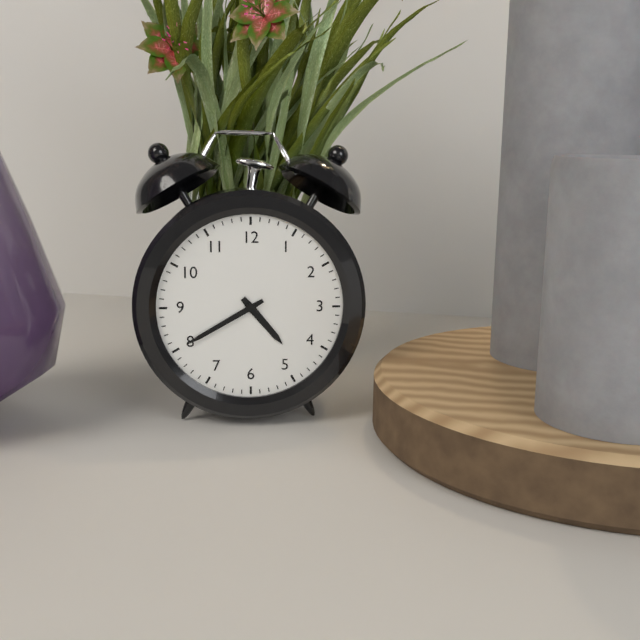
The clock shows 4h40
